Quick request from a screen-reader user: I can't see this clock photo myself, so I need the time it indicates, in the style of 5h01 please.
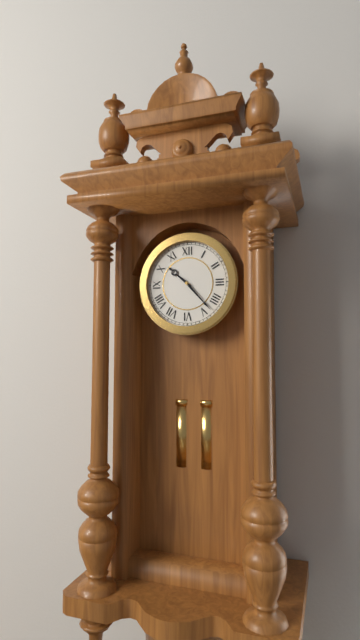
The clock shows 10h23
